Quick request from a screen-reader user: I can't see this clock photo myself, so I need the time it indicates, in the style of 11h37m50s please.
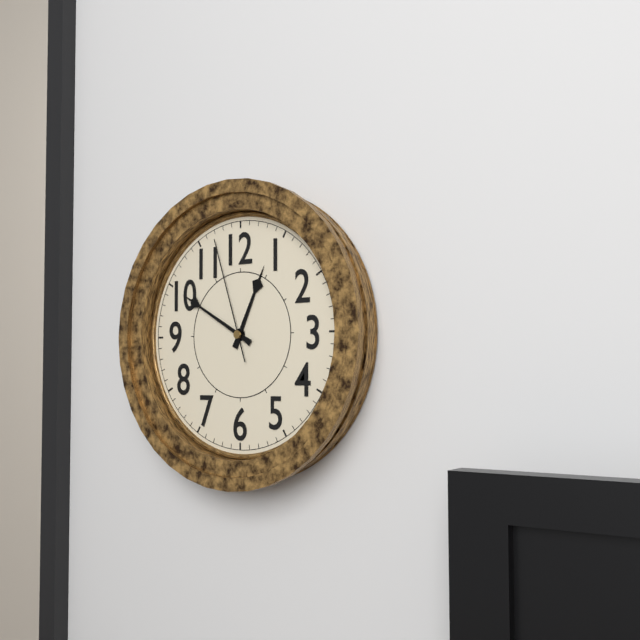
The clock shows 12h50m57s
